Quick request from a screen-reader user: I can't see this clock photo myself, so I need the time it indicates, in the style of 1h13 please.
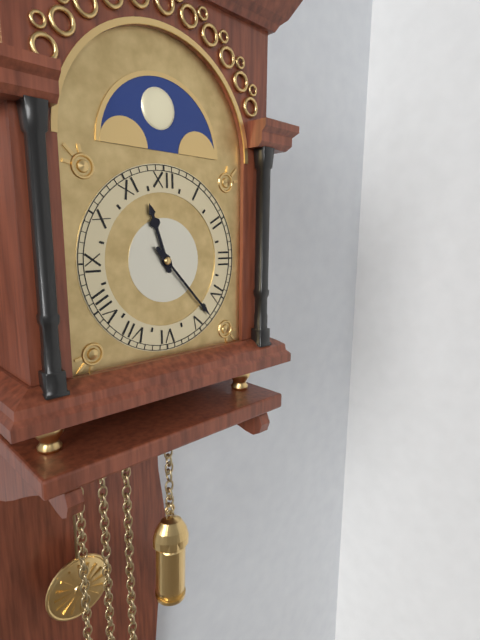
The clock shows 11h23
